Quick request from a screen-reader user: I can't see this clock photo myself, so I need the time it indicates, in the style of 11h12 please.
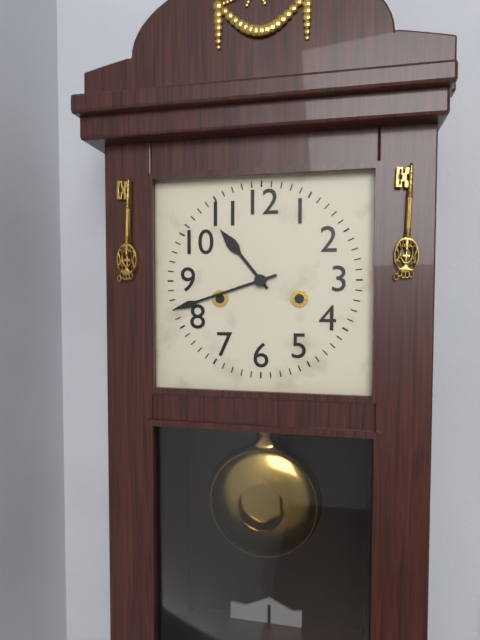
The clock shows 10h42
